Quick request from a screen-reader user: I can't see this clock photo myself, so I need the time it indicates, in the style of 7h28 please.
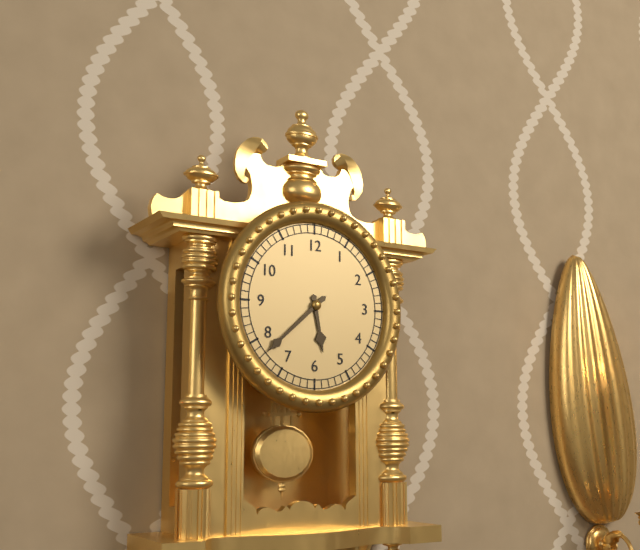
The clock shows 5h38
